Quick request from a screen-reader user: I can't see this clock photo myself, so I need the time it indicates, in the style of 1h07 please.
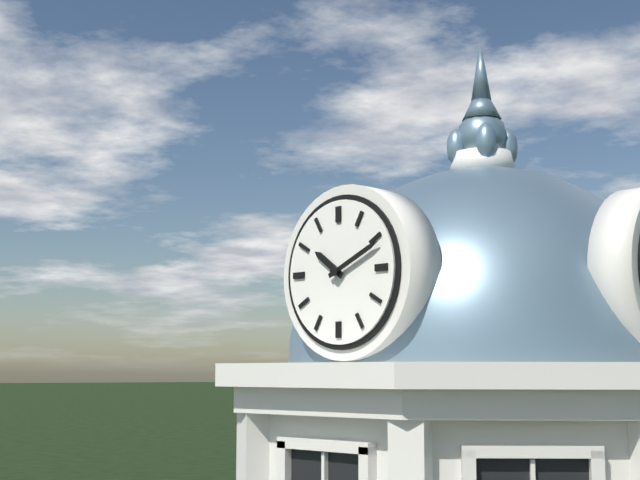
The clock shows 10h11
